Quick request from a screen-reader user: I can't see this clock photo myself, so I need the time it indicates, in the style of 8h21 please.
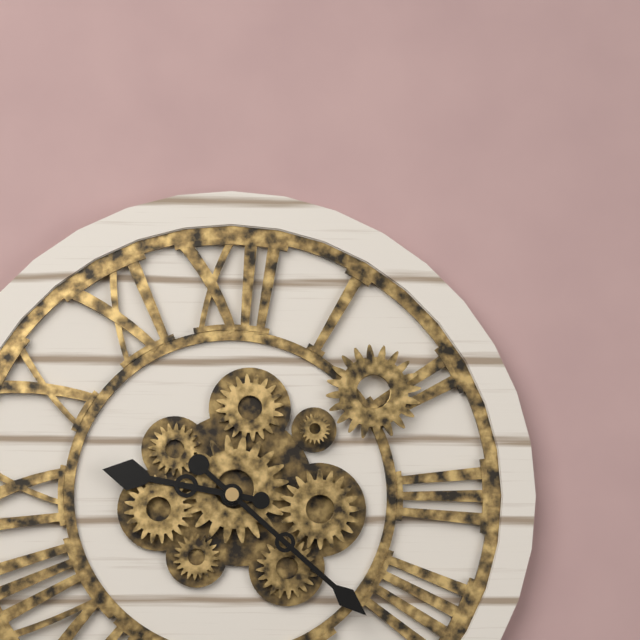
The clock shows 9h22
